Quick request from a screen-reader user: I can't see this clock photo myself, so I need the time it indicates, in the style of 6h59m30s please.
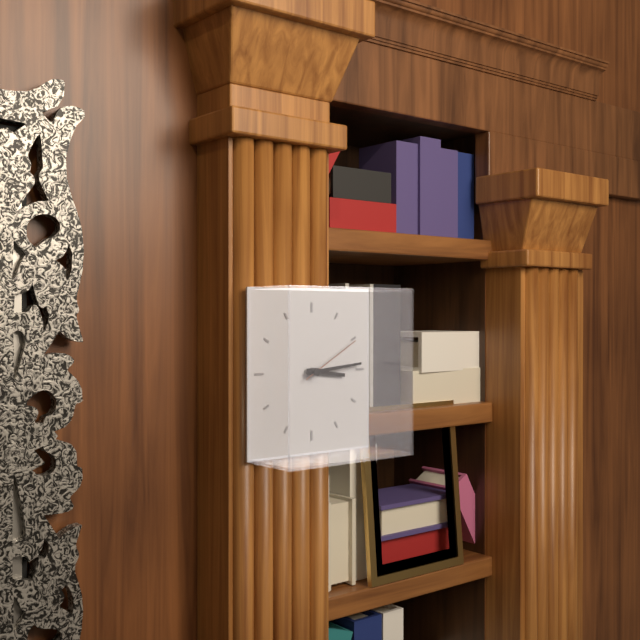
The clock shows 3h14m10s
